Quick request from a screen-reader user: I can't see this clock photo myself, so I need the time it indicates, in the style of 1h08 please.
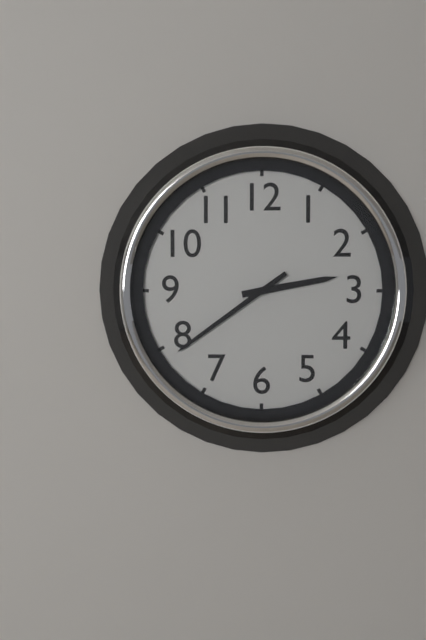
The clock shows 2h39
